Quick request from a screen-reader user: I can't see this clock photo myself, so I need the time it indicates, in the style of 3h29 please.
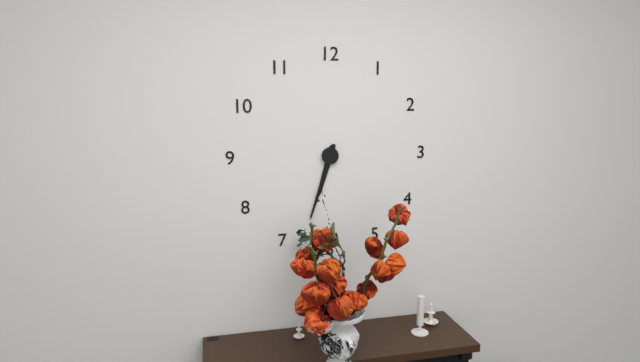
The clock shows 6h33
